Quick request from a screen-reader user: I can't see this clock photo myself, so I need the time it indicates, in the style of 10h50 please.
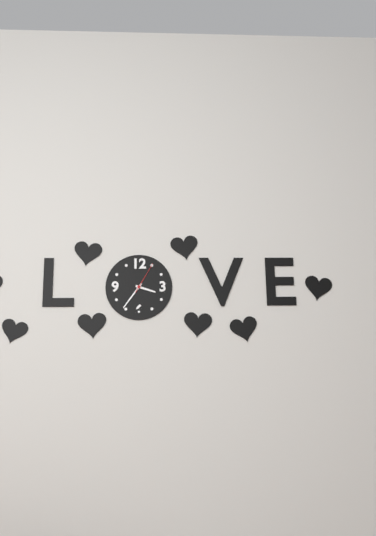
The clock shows 3h36
